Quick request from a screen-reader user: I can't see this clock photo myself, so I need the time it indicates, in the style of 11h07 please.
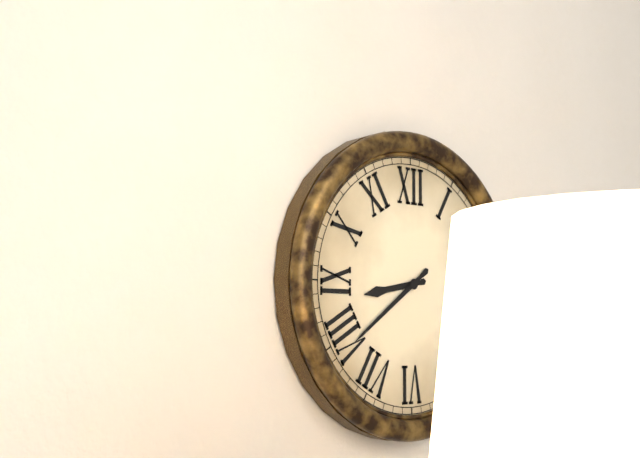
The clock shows 8h39
